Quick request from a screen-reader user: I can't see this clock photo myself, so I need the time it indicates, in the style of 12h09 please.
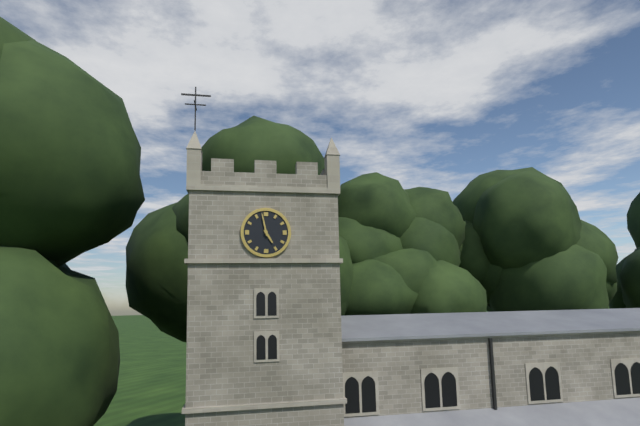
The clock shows 4h58
